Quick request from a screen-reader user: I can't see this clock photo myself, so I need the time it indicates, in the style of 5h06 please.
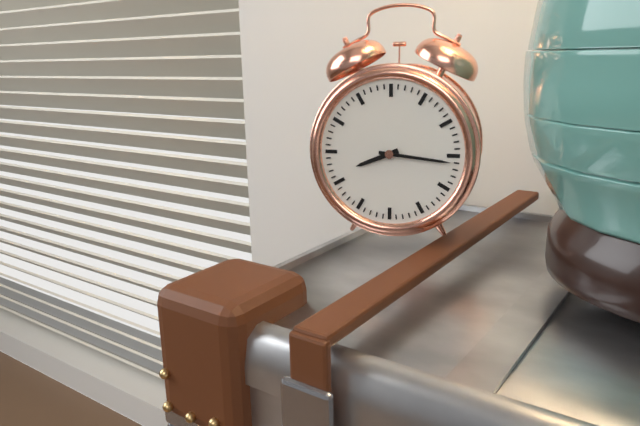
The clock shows 8h16
